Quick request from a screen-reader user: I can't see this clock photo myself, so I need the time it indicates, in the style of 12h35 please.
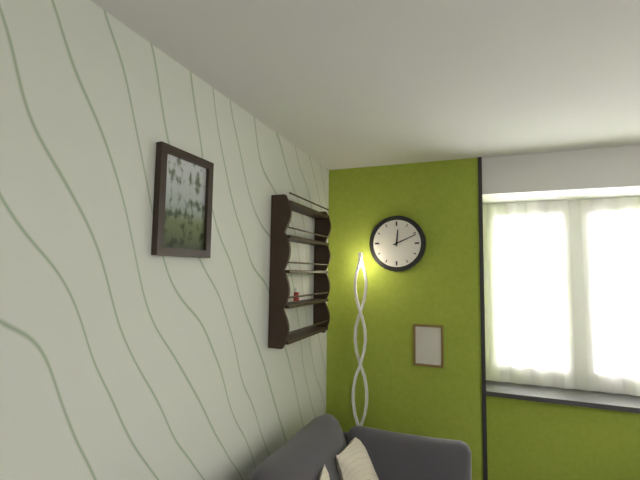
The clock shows 12h11
